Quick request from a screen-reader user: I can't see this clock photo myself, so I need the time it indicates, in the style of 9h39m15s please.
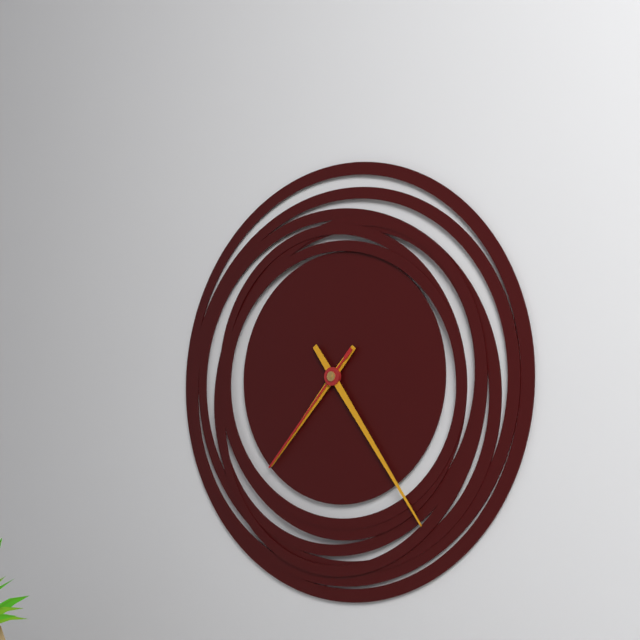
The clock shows 7h24m37s
